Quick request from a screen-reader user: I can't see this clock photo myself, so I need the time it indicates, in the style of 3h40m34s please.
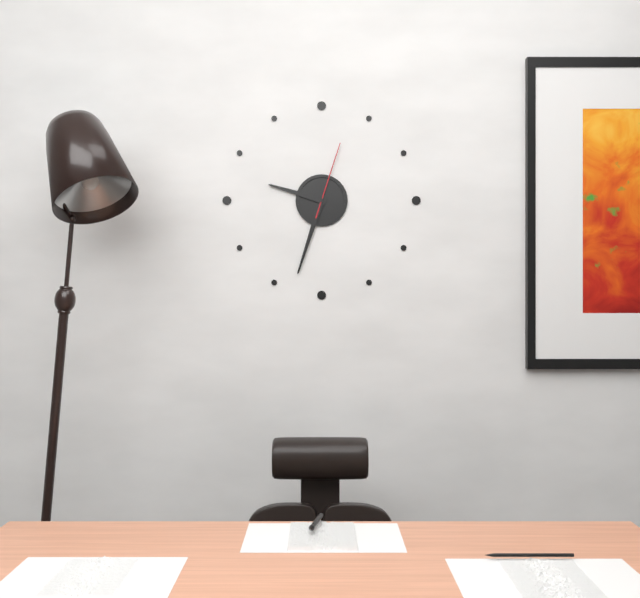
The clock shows 9h33m03s
